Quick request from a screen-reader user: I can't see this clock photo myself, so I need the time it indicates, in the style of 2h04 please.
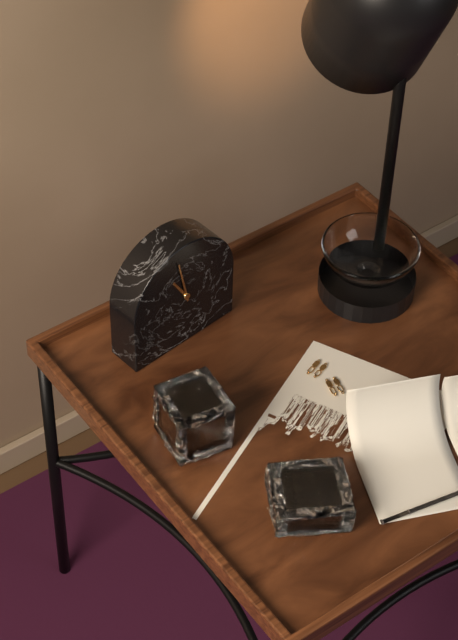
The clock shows 10h58
